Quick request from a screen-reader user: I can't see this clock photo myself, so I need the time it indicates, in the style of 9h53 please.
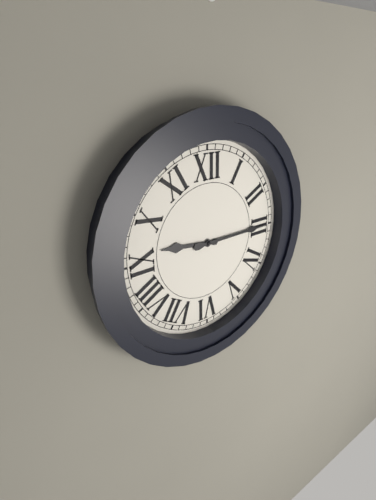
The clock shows 9h15
